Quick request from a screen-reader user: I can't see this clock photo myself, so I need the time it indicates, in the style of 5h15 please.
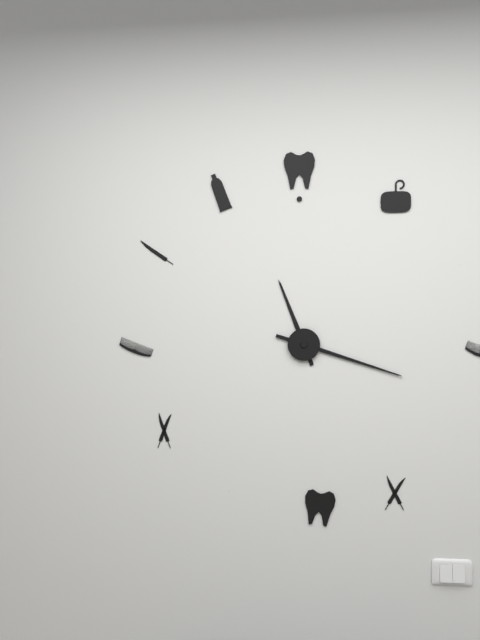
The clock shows 11h18
